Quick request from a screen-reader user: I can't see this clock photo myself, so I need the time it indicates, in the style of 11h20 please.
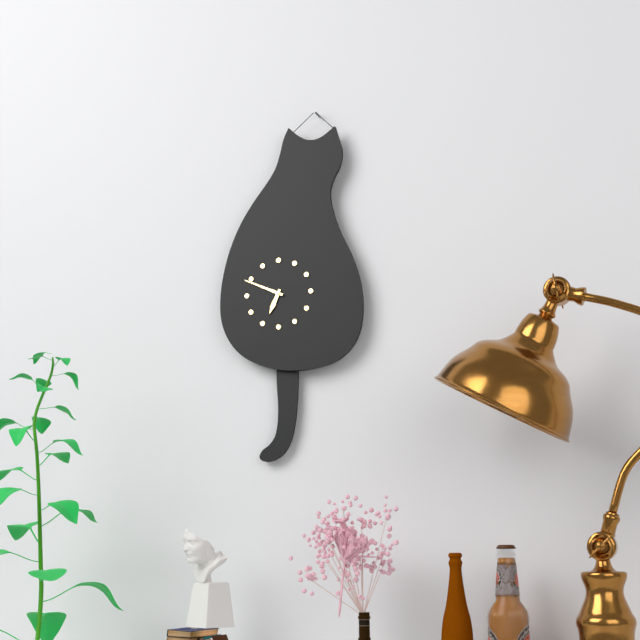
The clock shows 6h49
